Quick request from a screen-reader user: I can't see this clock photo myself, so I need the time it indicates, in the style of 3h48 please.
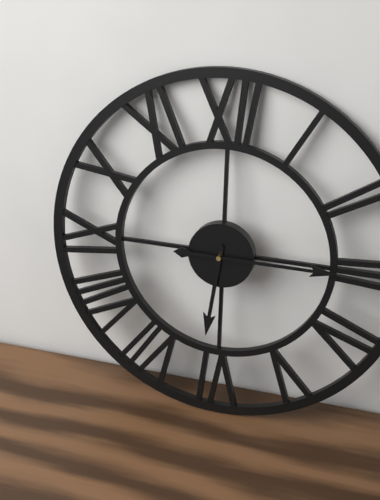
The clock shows 6h15
